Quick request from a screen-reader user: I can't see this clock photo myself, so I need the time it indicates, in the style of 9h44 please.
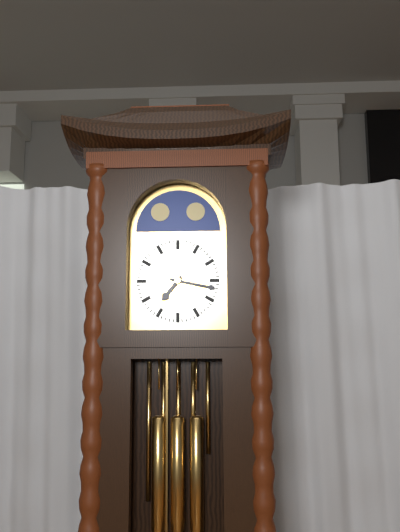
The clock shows 7h17
